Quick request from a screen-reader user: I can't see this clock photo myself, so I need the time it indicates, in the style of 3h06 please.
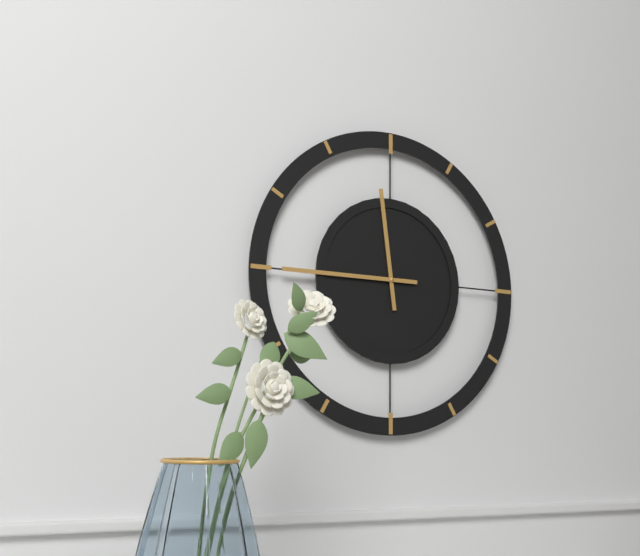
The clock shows 11h45
